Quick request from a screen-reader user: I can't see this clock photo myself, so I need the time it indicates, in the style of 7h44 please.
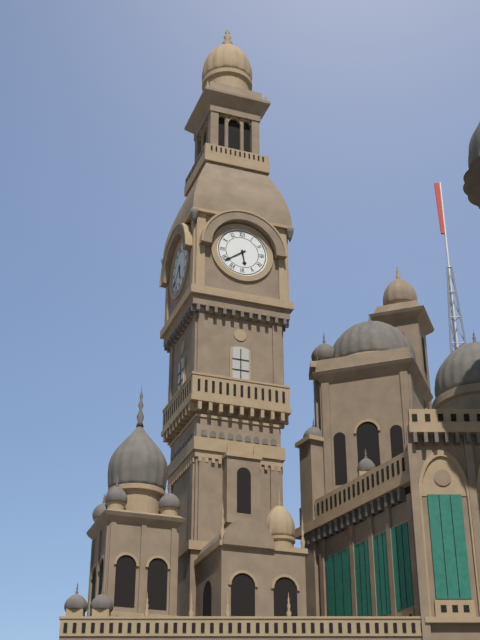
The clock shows 5h39
